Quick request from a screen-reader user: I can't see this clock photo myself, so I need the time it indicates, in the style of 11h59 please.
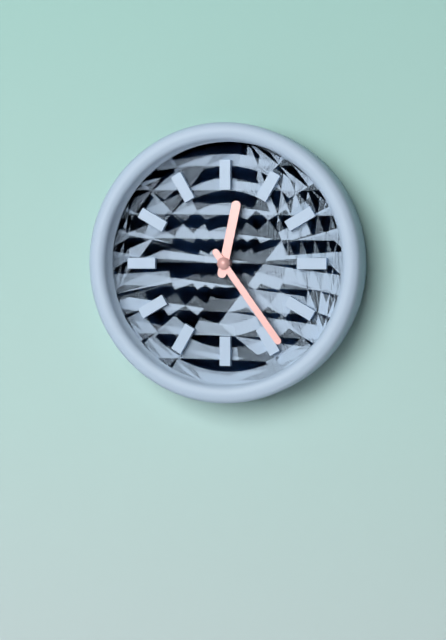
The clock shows 12h24
